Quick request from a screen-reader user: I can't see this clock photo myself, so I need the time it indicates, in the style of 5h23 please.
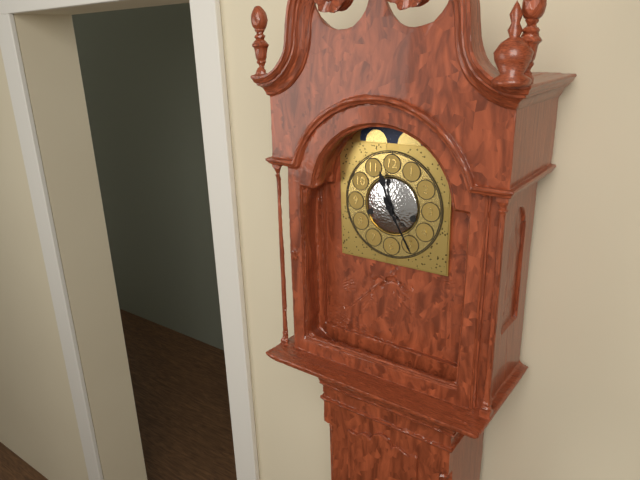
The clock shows 11h25
